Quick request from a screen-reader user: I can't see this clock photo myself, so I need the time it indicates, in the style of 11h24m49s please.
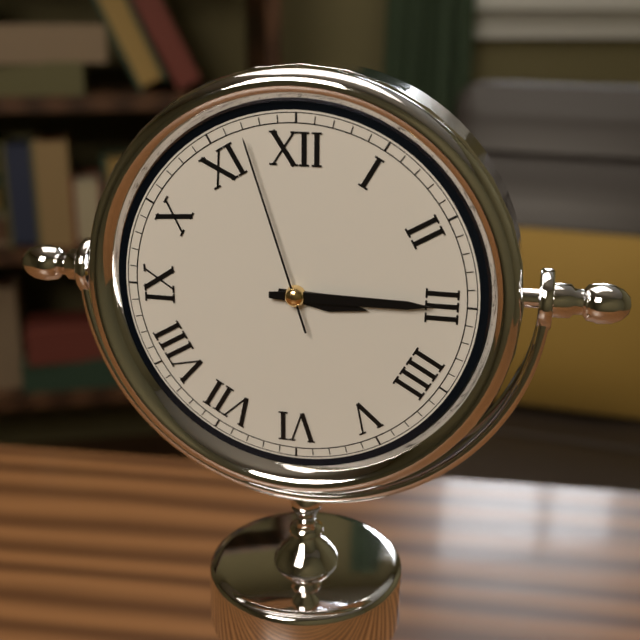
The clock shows 3h15m57s
